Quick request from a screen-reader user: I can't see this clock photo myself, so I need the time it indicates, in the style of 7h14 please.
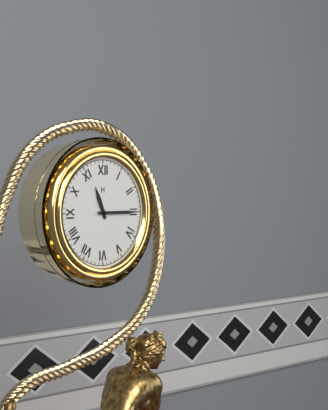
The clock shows 11h15
